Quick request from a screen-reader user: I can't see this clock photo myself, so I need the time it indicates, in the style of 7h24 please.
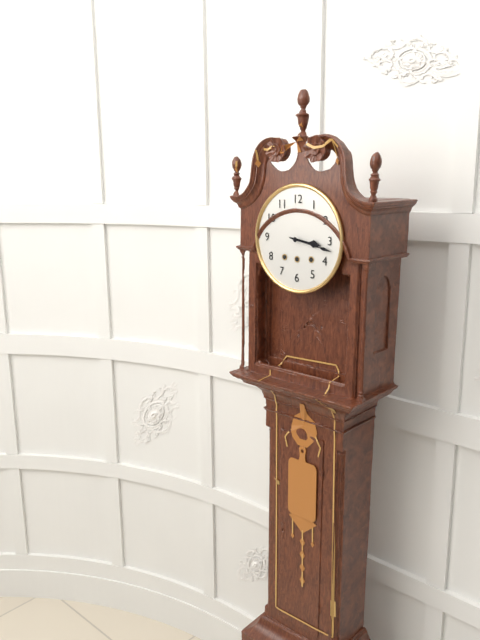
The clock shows 3h17
